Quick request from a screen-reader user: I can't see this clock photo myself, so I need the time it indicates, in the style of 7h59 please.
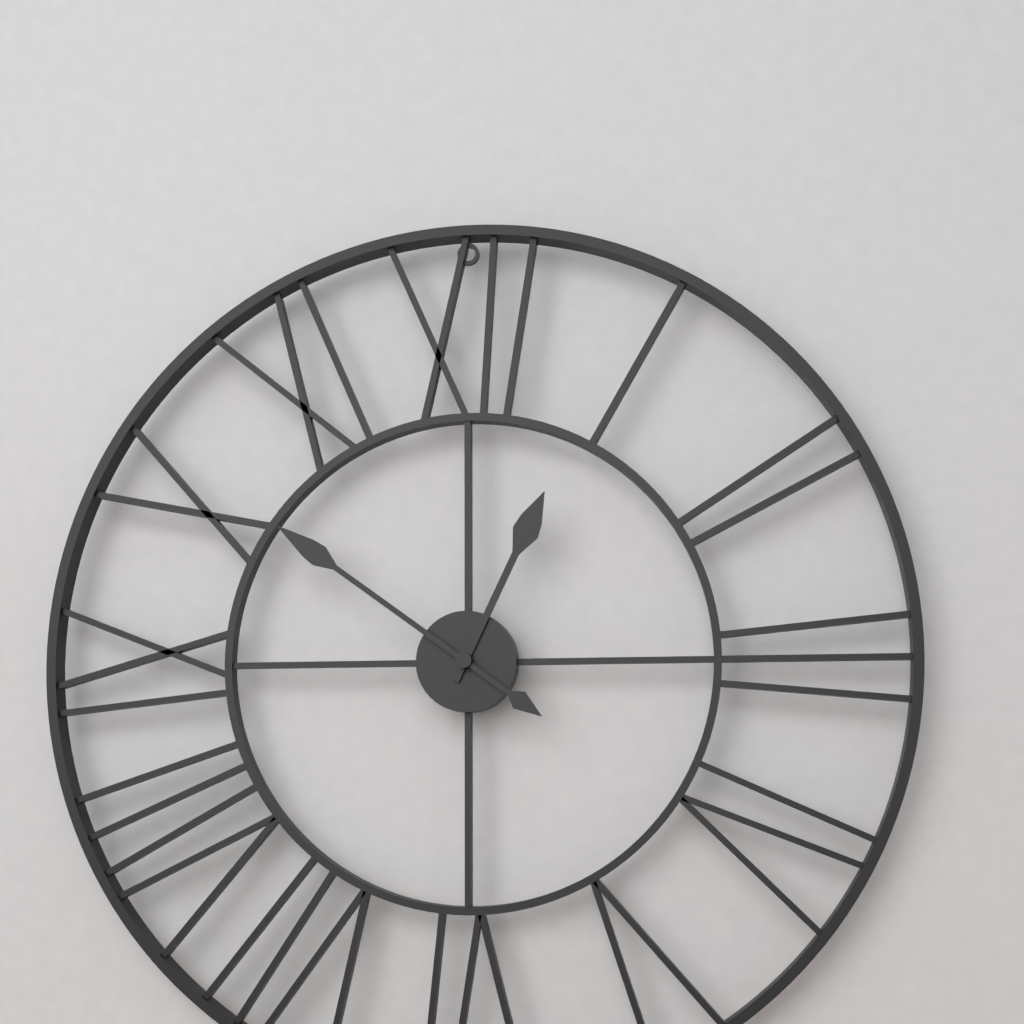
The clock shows 12h51
